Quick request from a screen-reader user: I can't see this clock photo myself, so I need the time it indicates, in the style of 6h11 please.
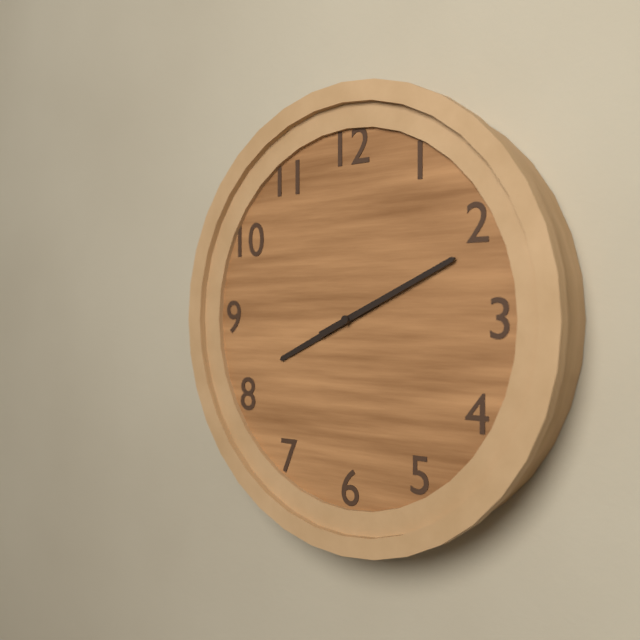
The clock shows 8h11
